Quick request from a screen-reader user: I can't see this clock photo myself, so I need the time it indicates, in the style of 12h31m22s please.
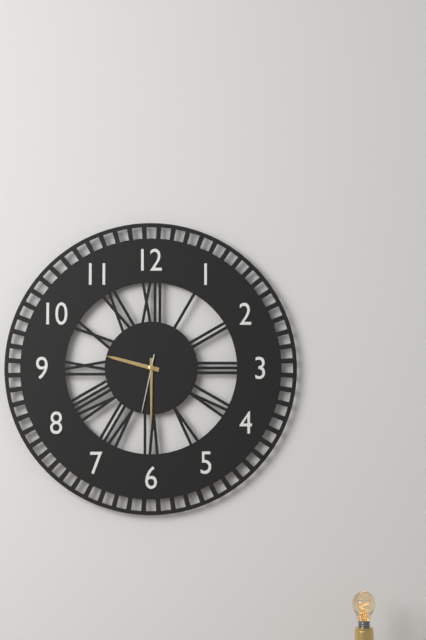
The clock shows 9h30m32s
